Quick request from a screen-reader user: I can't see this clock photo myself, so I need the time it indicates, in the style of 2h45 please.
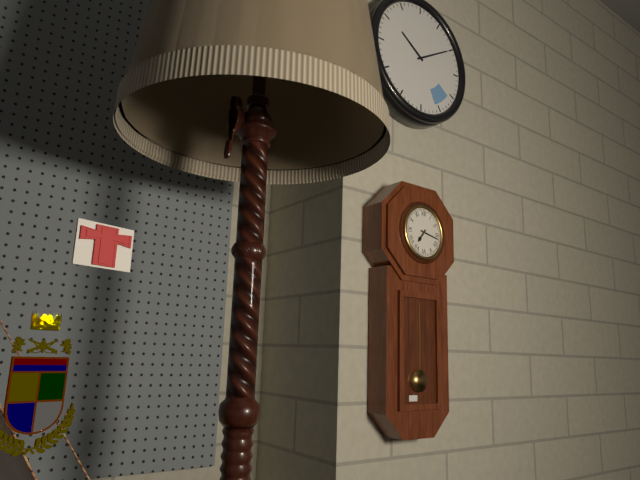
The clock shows 7h17
